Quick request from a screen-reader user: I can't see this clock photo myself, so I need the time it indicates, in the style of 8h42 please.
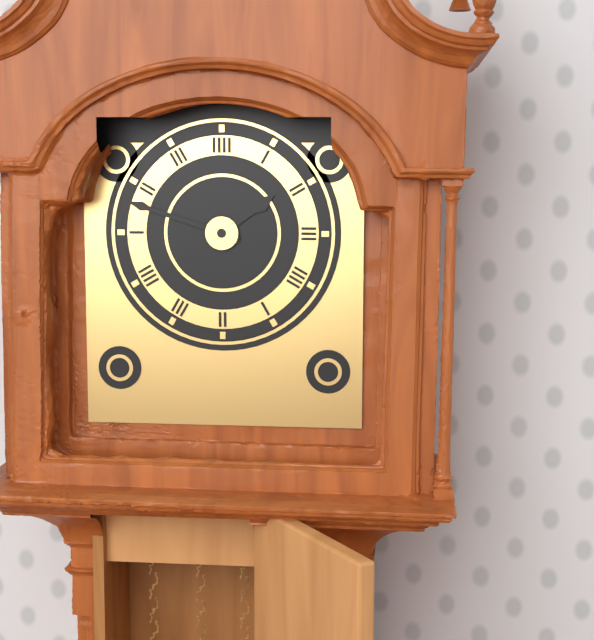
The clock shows 1h48
